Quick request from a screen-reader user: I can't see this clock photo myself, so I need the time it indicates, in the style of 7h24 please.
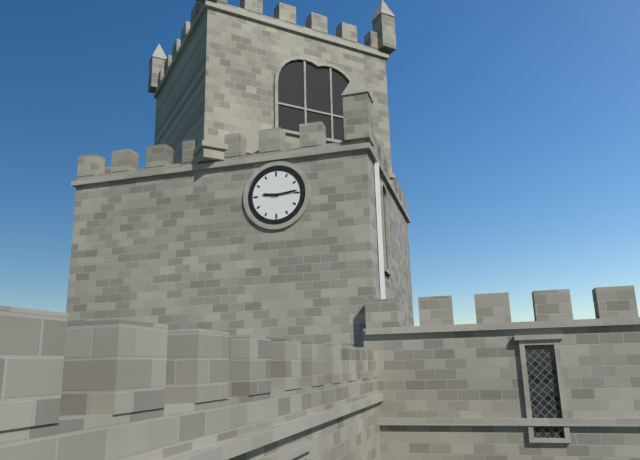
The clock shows 9h14
